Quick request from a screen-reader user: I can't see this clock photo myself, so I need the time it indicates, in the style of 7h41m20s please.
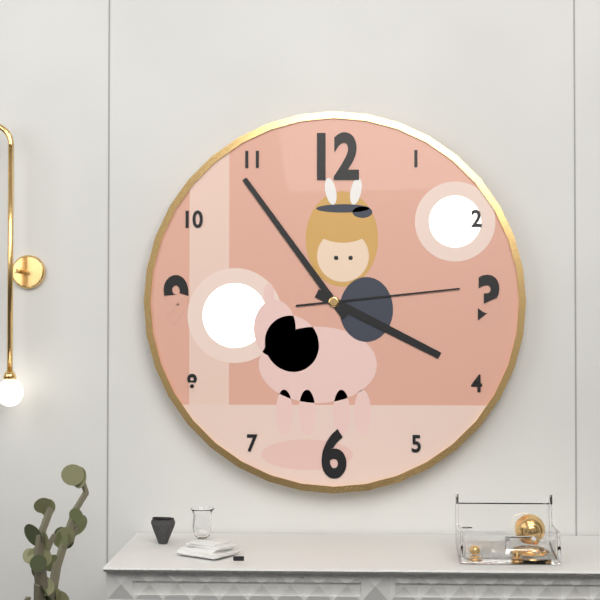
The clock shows 3h54m14s
